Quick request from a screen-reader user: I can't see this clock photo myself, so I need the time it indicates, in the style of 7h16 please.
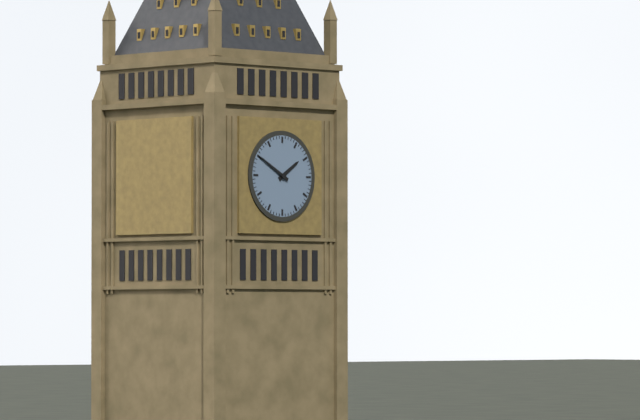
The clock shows 1h50
